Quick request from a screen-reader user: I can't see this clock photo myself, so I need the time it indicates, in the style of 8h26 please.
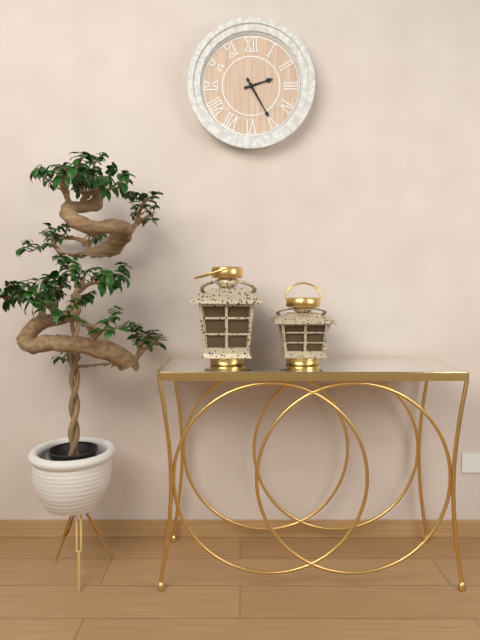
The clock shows 2h25
